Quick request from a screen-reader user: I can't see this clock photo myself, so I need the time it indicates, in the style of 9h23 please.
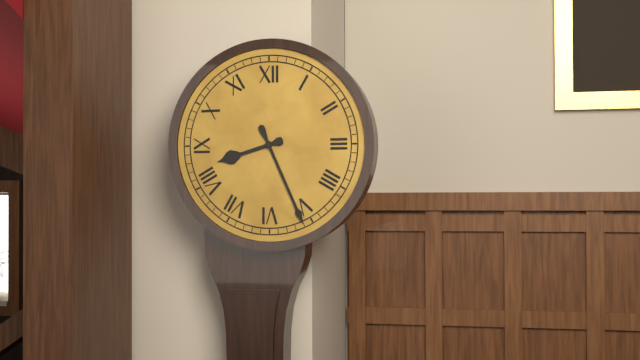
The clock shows 8h26
